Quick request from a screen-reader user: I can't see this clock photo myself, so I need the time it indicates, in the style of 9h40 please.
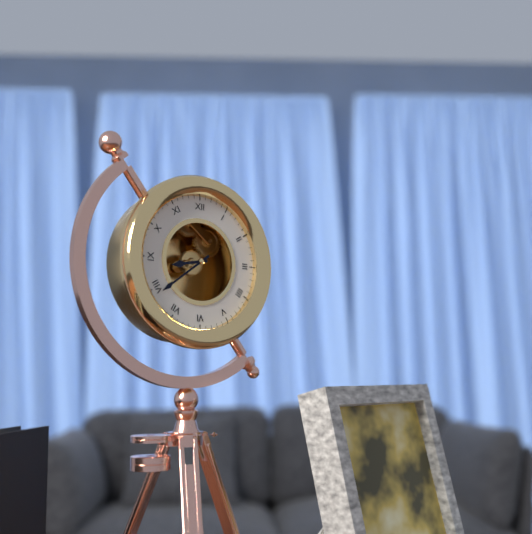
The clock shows 8h39
